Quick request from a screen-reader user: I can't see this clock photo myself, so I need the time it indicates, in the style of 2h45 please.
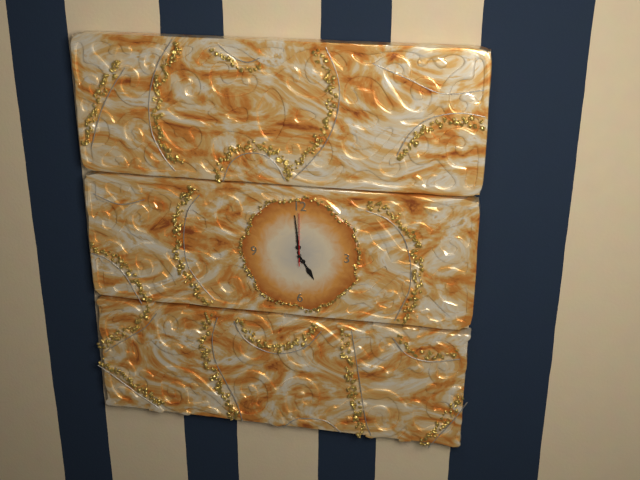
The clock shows 4h59
